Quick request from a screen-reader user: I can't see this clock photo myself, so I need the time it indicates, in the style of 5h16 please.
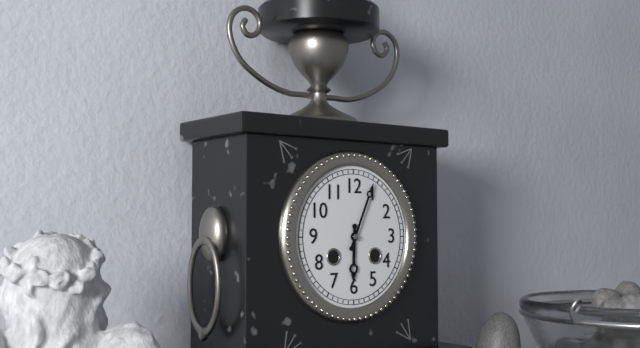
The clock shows 6h04
